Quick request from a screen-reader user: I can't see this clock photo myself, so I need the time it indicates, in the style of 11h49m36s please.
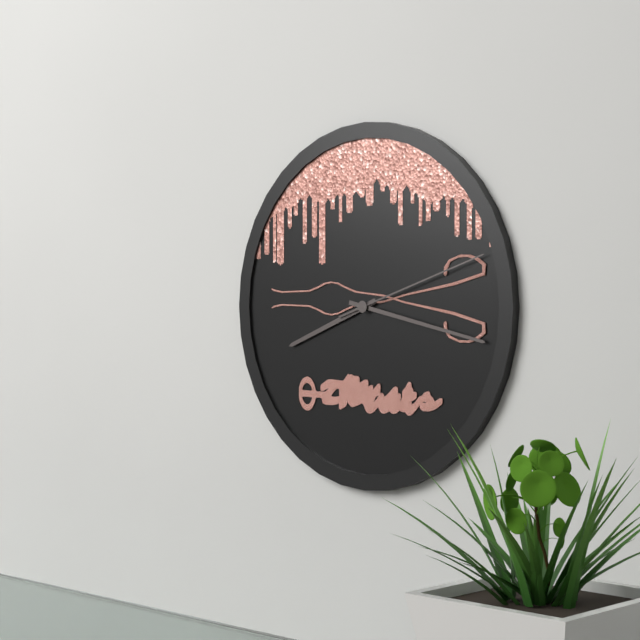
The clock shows 8h17m12s
